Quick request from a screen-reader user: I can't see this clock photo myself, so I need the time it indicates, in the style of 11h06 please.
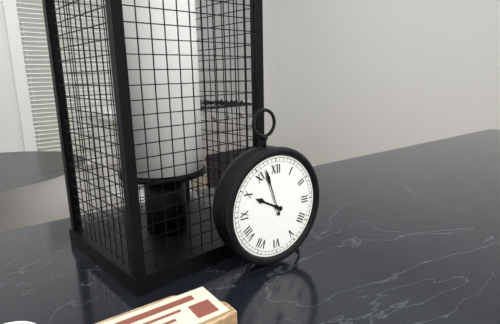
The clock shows 9h57
